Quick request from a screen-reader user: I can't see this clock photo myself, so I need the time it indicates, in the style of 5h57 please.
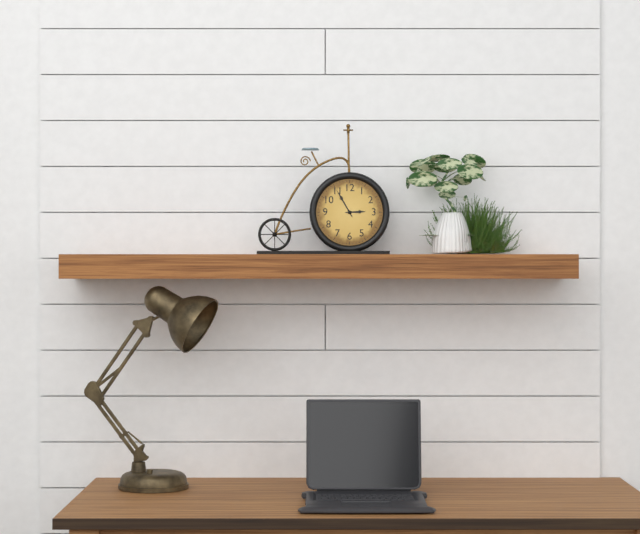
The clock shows 2h55
